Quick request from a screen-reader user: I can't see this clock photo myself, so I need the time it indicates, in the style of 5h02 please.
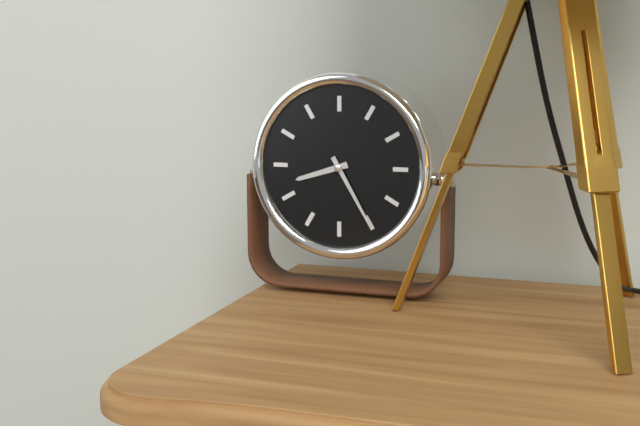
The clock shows 8h25
